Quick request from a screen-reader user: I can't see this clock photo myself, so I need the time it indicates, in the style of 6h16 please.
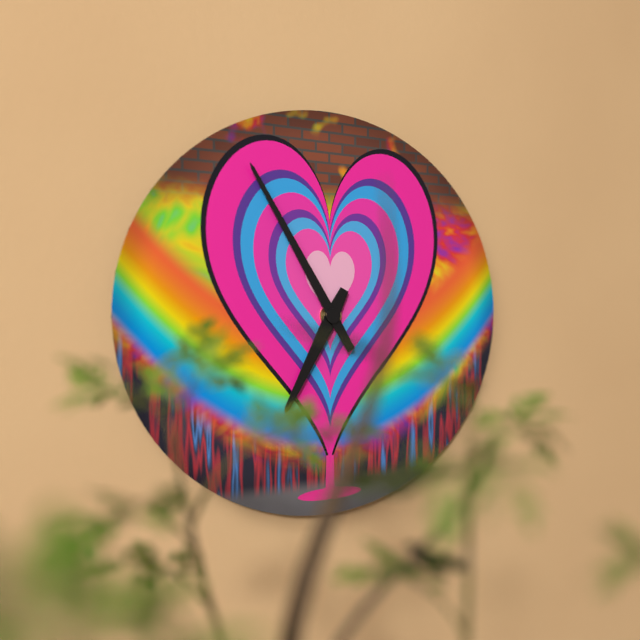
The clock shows 6h55
